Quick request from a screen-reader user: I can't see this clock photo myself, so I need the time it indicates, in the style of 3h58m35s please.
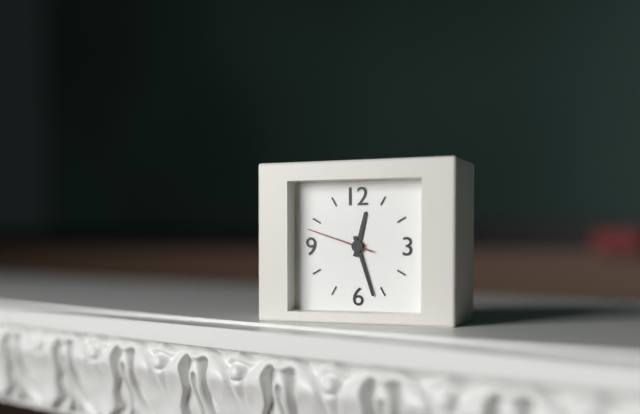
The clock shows 12h27m48s
